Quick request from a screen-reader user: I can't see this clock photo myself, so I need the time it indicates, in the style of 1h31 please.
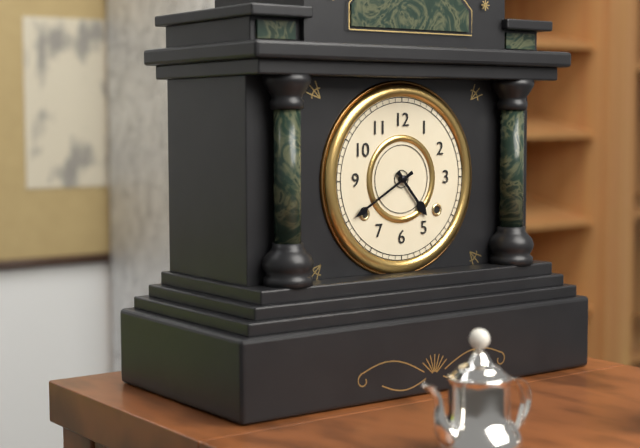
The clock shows 4h40
